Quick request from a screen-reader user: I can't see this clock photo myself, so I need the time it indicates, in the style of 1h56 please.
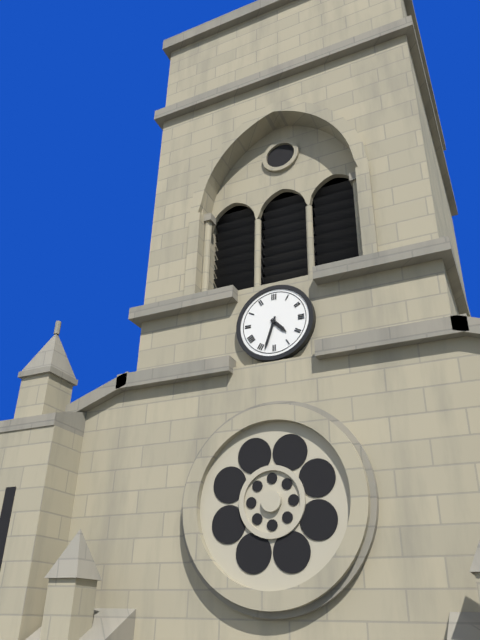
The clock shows 4h33
